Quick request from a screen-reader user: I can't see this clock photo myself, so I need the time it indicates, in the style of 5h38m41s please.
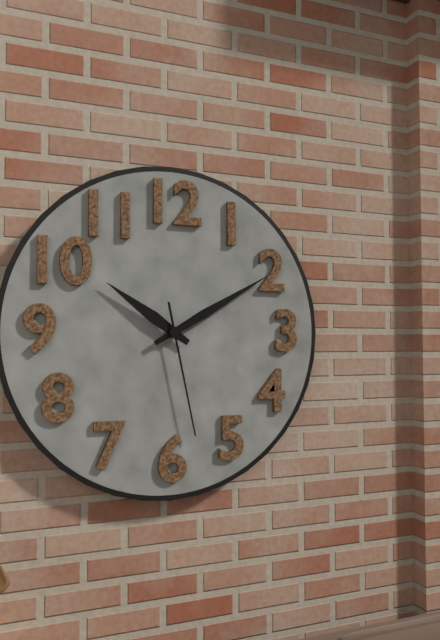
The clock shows 10h10m28s
